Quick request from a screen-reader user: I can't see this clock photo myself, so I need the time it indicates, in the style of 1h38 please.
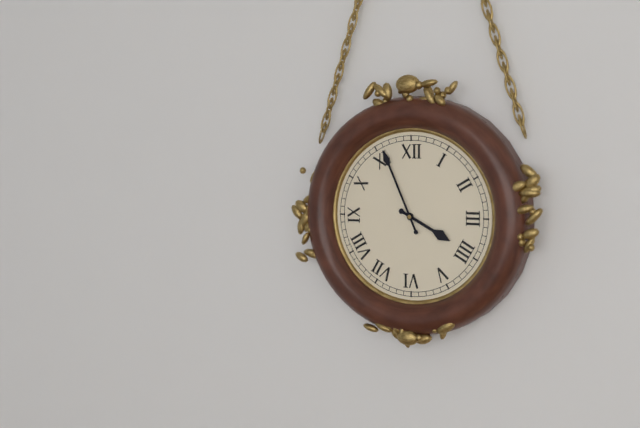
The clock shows 3h56
